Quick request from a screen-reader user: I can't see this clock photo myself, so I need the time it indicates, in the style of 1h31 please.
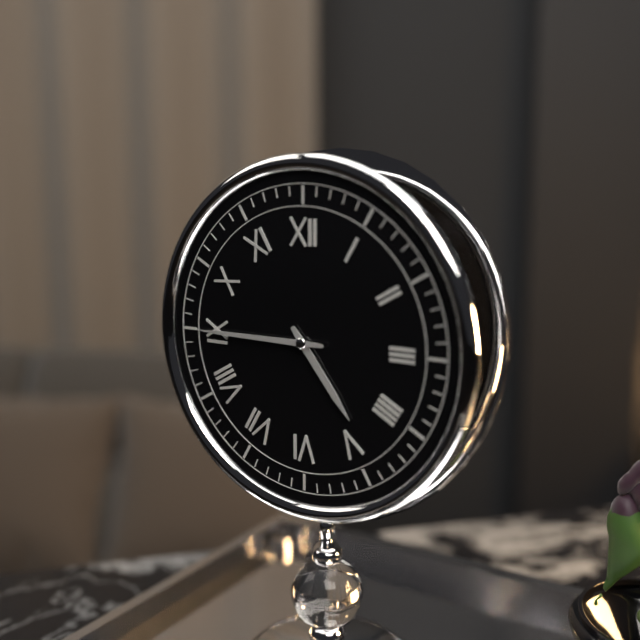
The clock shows 4h45
